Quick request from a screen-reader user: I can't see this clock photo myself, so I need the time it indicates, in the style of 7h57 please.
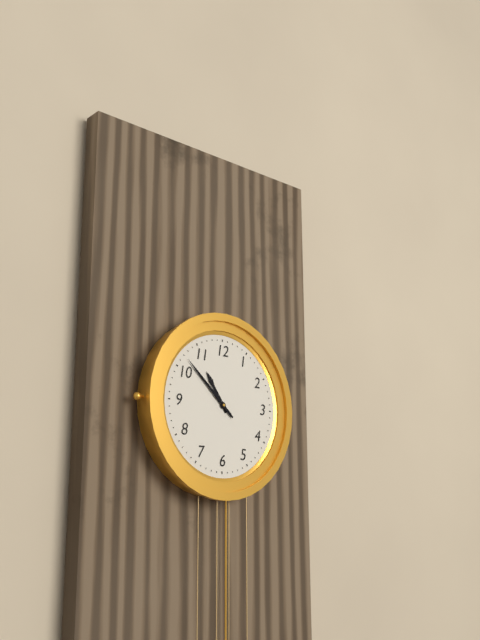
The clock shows 10h52
